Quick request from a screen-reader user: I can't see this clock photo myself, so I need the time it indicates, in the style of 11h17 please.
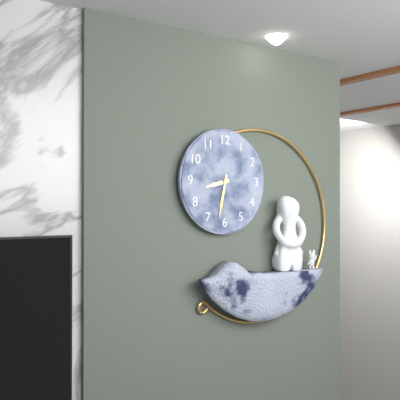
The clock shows 8h32
